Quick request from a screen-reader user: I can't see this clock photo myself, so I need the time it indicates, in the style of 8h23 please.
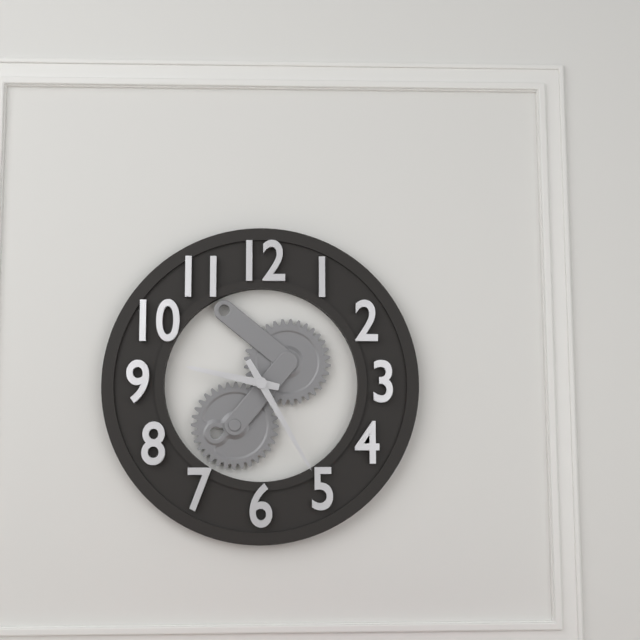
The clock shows 9h25
